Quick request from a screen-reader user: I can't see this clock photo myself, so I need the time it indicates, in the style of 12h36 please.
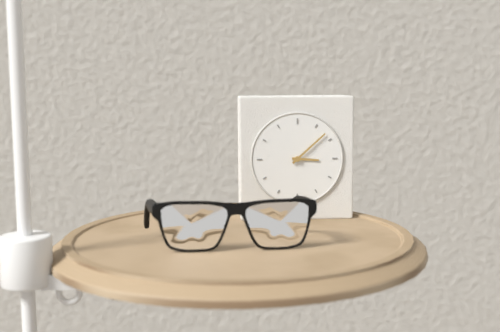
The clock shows 3h08
